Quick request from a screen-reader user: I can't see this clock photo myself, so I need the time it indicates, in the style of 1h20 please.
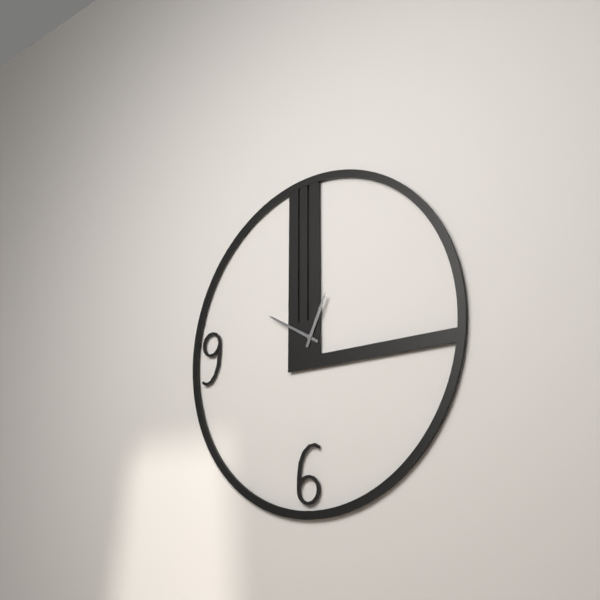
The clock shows 12h50
